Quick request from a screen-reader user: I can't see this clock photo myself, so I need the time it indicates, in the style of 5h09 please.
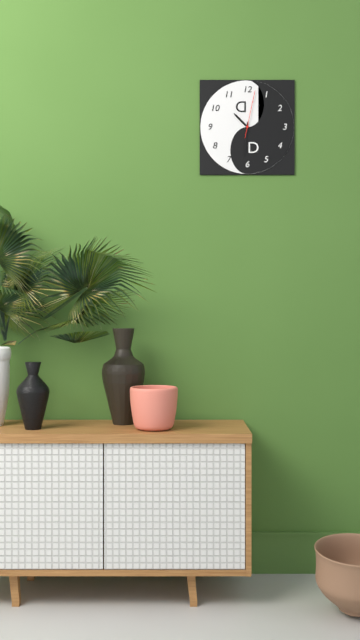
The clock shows 10h31
